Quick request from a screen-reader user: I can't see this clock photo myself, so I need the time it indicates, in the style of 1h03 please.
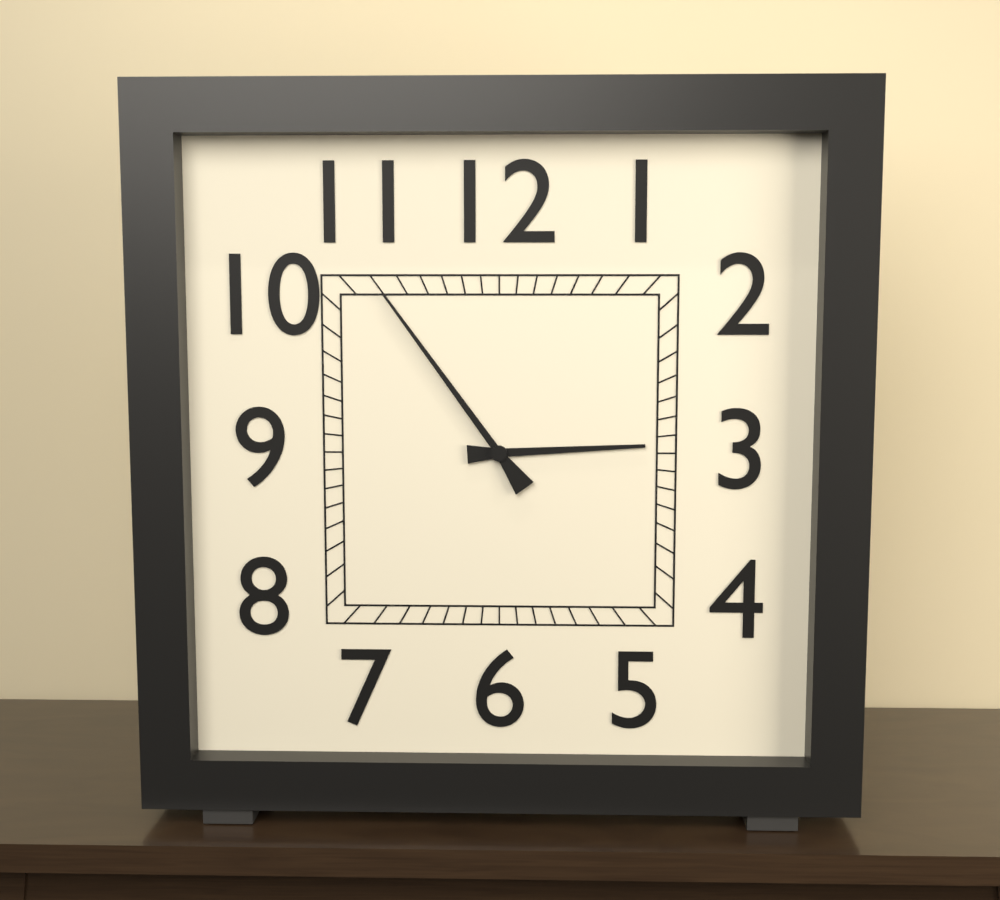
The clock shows 2h54
